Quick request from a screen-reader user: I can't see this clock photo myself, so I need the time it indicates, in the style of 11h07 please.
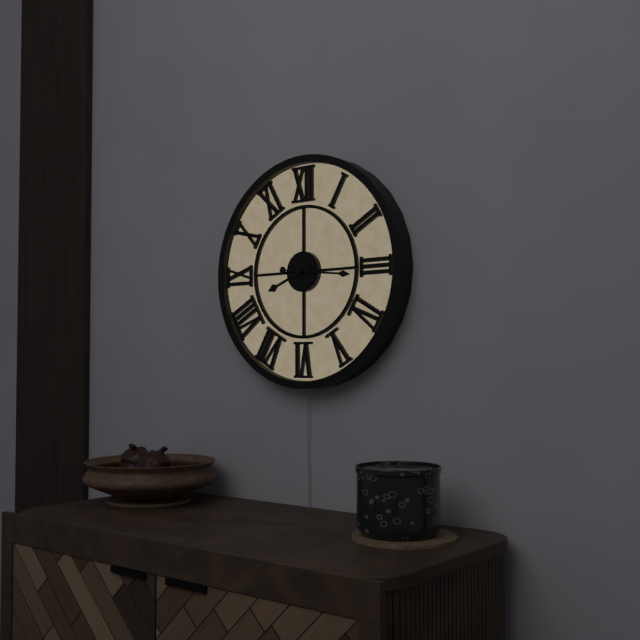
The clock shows 8h16
